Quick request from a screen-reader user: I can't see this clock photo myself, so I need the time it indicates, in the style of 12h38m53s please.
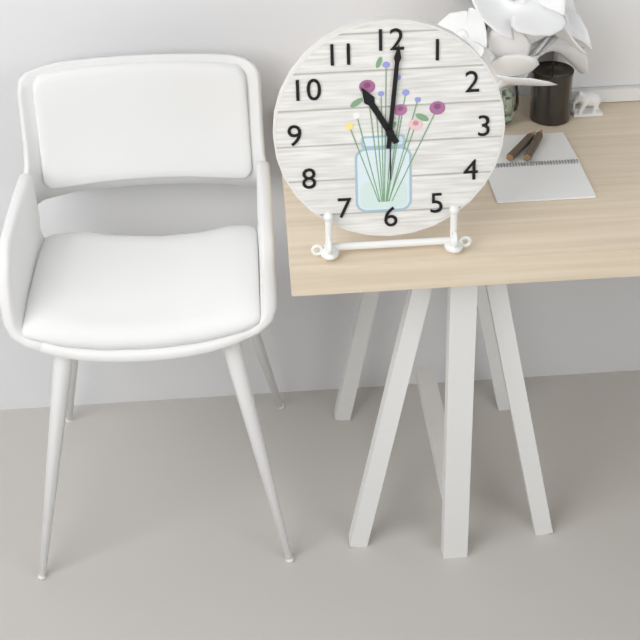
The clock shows 11h01m30s
